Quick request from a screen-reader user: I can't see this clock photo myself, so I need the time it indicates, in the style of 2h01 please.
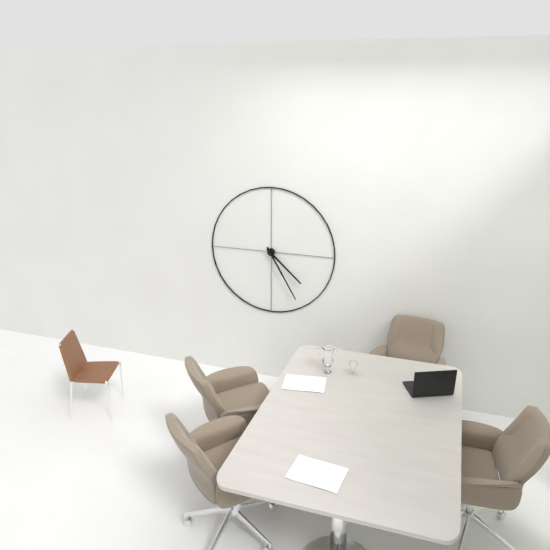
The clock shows 4h25
